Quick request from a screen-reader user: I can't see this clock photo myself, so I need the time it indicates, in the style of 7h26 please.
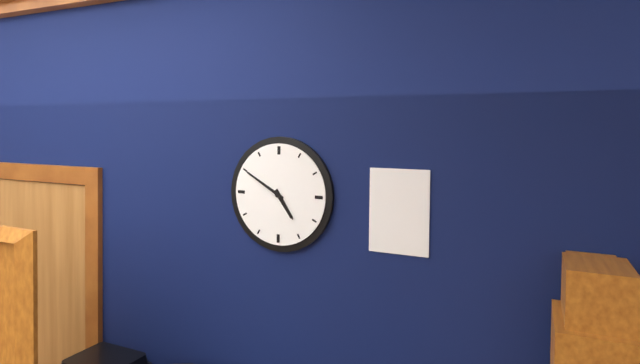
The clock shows 4h50
